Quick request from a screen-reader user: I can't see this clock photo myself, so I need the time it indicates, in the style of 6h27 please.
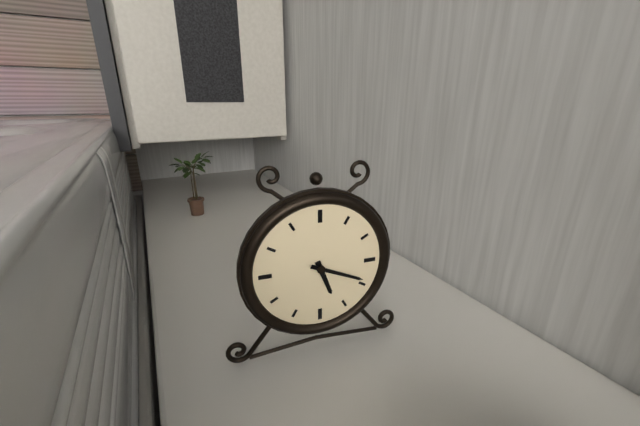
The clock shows 5h19
